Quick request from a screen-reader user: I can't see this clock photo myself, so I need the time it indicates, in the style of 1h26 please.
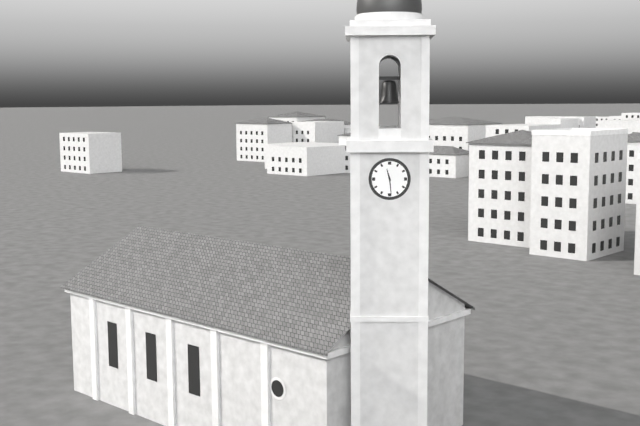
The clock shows 11h29
